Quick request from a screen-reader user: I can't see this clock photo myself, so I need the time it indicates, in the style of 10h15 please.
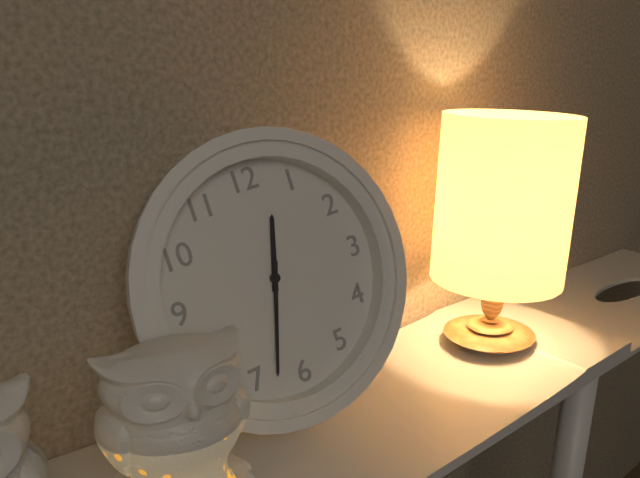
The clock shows 12h33
